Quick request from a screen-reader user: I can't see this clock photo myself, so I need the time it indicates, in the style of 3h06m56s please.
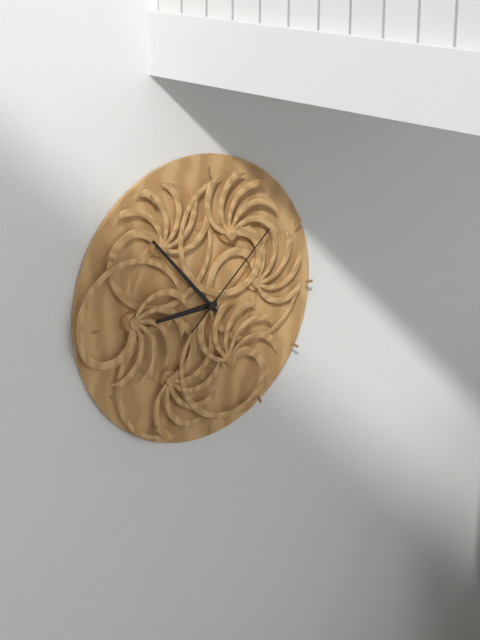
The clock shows 8h53m08s
